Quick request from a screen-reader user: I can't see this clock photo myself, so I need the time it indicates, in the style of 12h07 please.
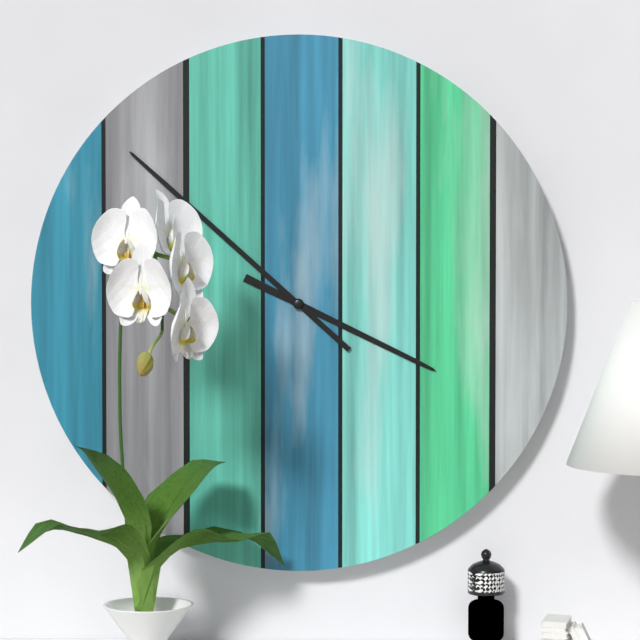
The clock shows 3h52
